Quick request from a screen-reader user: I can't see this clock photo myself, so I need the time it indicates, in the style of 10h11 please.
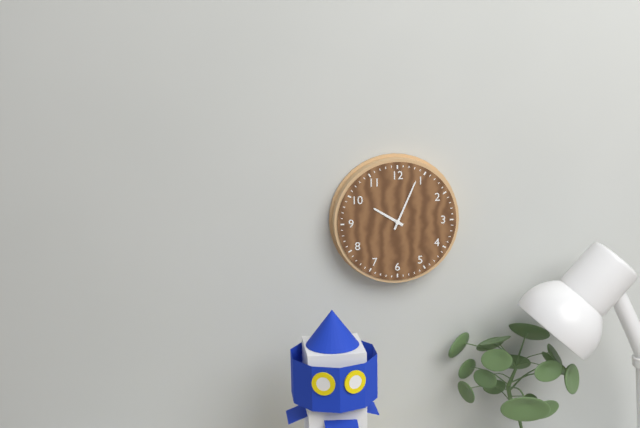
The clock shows 10h04
